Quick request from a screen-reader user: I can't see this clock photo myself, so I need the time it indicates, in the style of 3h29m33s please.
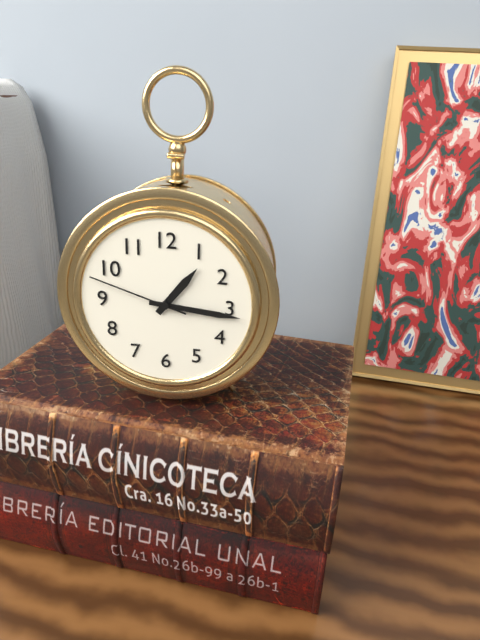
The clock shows 1h16m48s
